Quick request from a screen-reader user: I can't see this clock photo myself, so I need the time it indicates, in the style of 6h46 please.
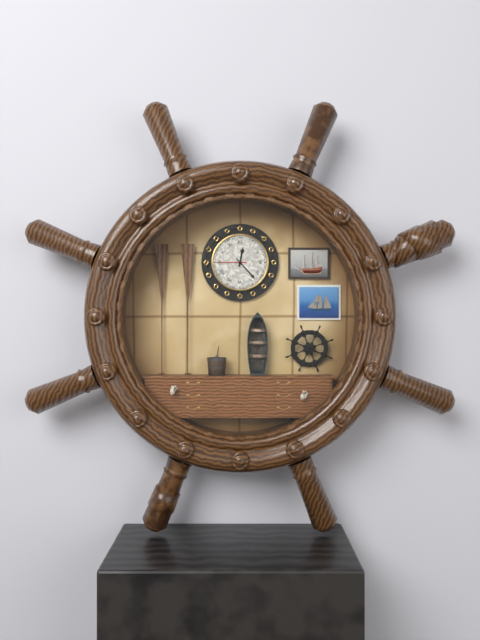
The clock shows 12h23
